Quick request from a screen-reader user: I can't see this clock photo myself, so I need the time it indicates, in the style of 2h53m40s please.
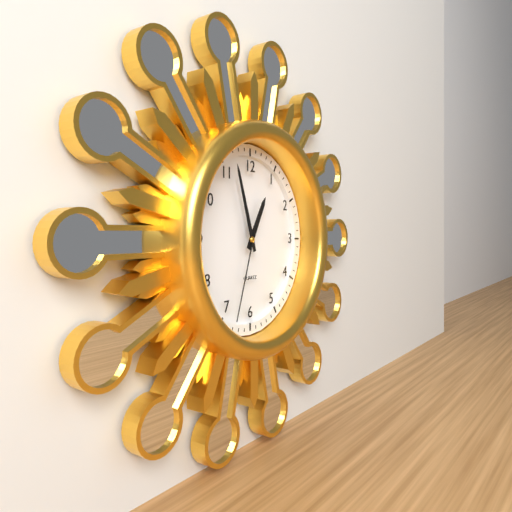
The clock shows 12h57m33s
